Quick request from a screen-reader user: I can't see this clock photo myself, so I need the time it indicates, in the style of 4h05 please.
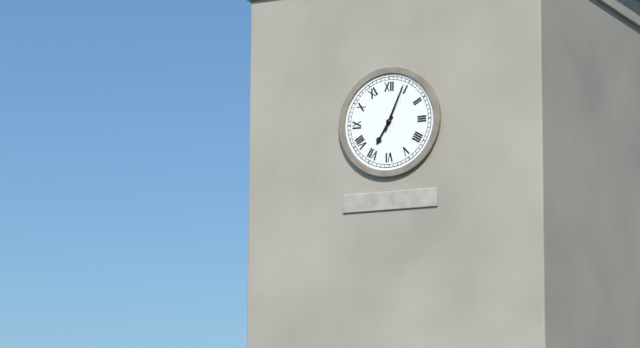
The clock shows 7h04
